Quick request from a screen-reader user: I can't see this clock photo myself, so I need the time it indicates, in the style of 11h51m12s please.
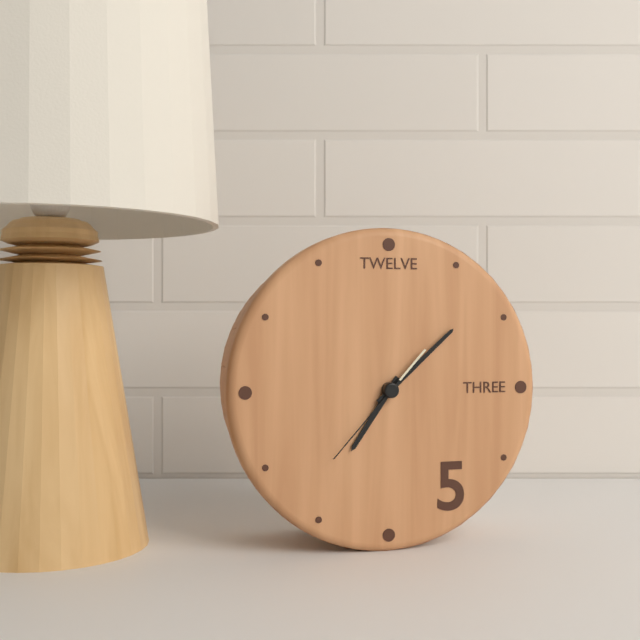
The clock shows 7h08m37s
